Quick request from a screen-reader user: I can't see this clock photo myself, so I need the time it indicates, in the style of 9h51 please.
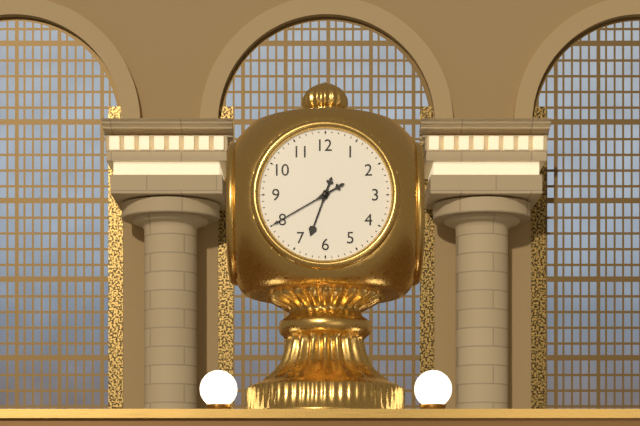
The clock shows 6h40
